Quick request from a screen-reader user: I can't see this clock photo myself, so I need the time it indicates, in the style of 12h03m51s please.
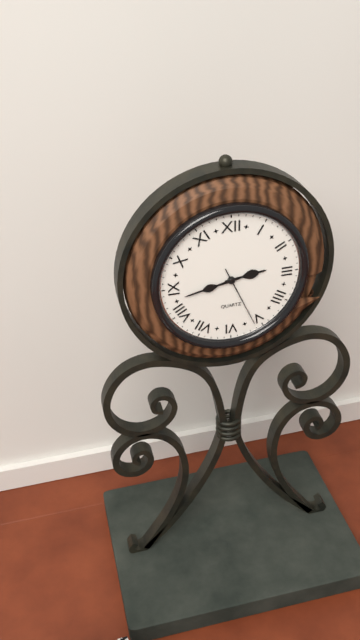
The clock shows 2h43m26s
